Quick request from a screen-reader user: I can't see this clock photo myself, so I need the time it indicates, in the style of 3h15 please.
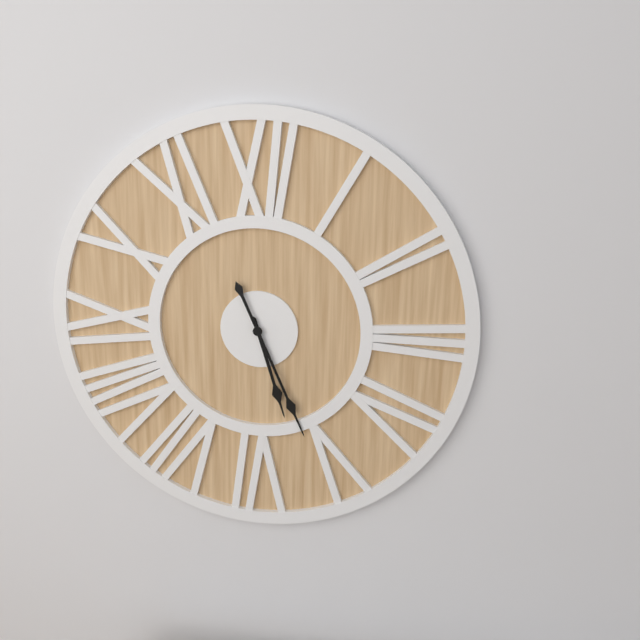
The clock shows 5h26
